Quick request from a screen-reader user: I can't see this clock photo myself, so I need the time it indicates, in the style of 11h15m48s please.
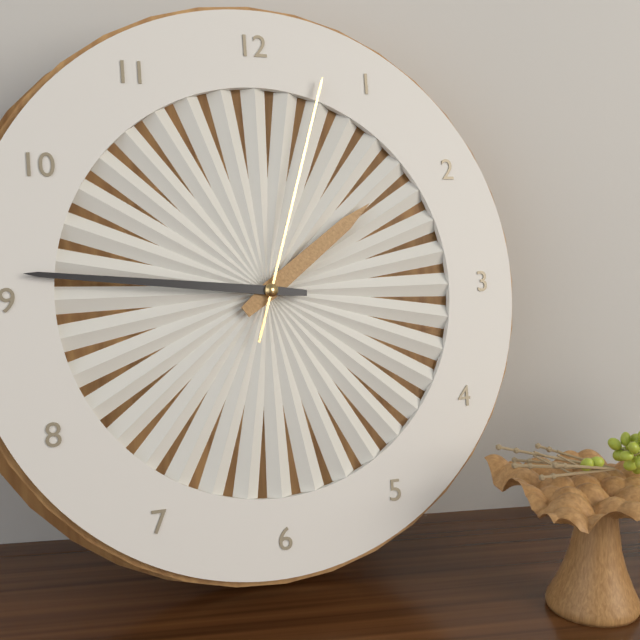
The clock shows 1h46m03s
